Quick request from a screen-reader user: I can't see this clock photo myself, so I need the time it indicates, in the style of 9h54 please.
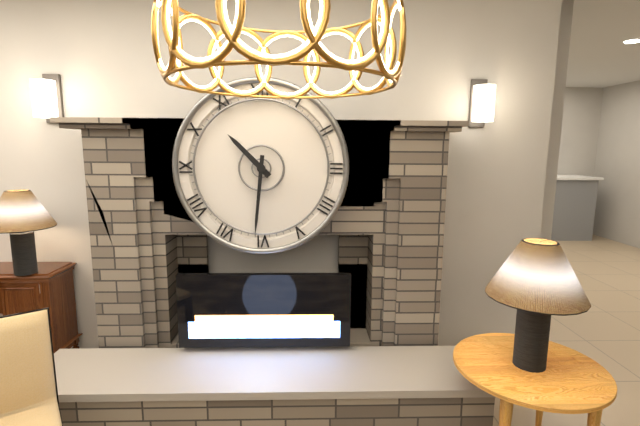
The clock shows 10h31
